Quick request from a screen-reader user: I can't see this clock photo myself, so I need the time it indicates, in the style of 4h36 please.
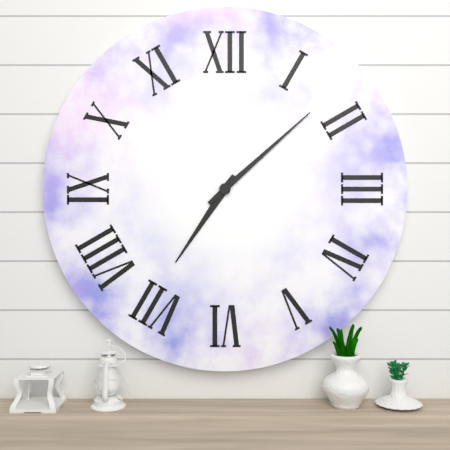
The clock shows 7h08
